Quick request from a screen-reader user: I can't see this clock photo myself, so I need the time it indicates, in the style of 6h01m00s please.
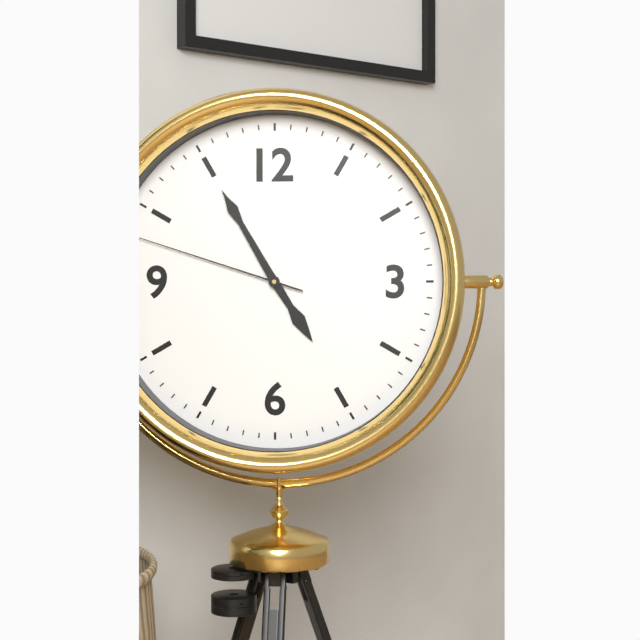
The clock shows 4h55m48s
